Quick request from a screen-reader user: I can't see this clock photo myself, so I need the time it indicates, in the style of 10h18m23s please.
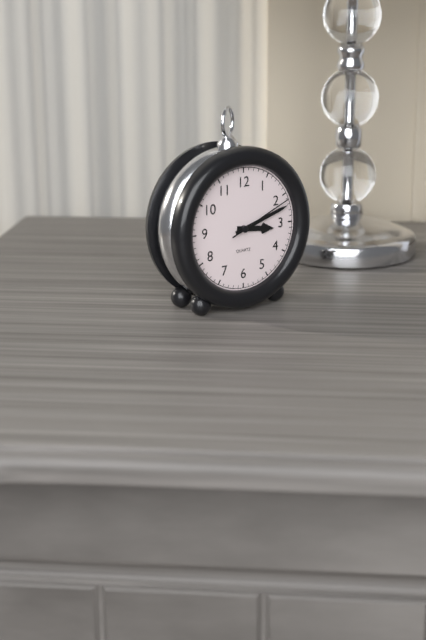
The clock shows 3h12m11s
